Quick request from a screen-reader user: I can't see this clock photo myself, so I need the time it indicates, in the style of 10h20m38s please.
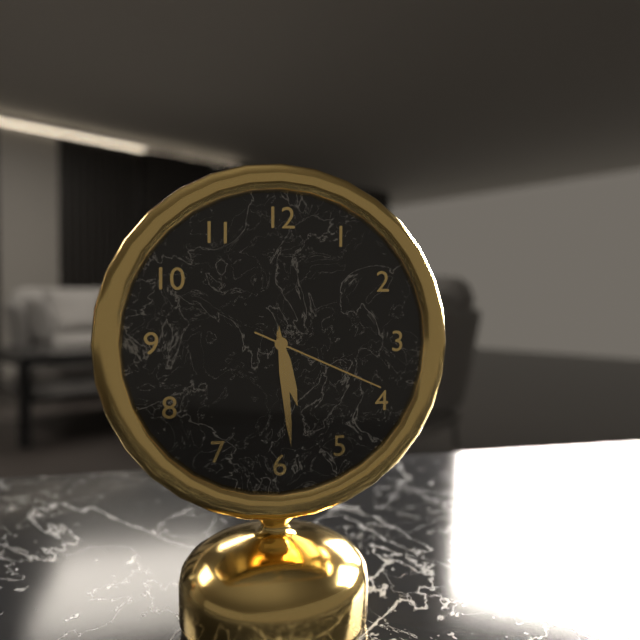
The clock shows 5h29m19s
